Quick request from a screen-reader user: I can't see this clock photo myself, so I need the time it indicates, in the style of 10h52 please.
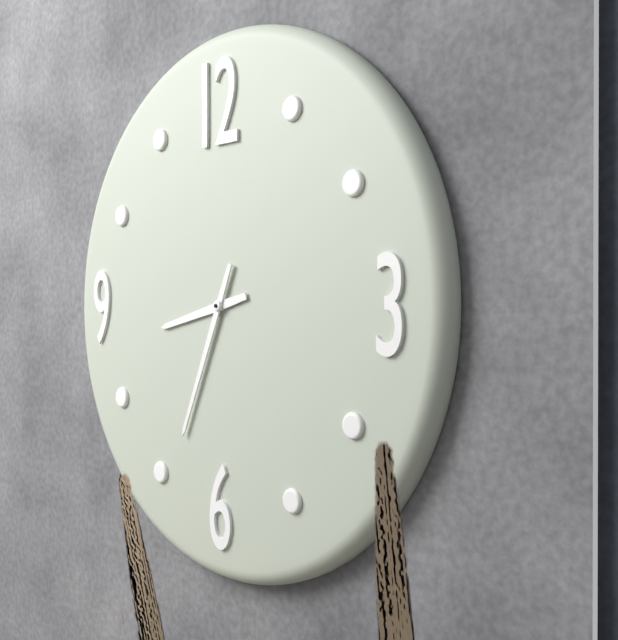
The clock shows 8h34
